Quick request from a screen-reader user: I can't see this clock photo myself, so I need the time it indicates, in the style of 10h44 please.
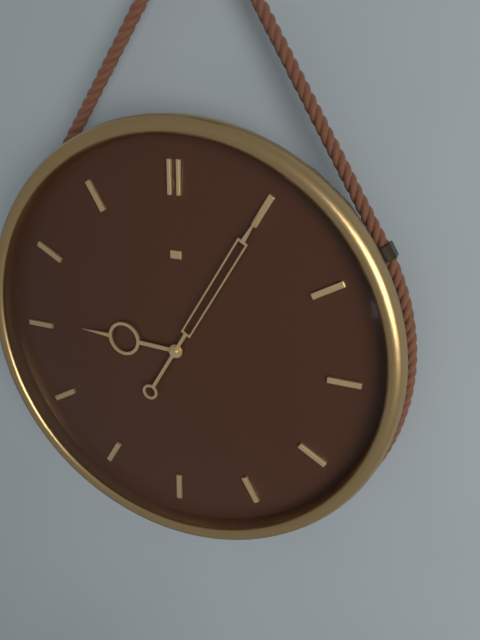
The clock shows 9h05
